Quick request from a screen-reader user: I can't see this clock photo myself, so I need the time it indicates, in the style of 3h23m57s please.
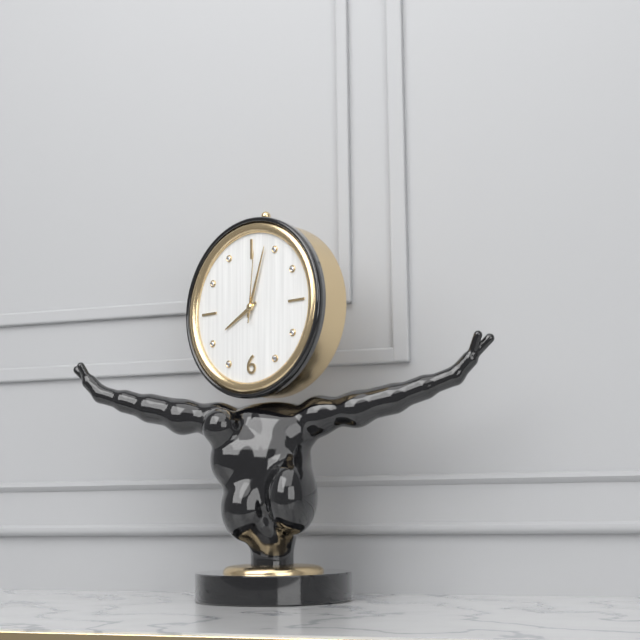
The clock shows 8h03m01s
